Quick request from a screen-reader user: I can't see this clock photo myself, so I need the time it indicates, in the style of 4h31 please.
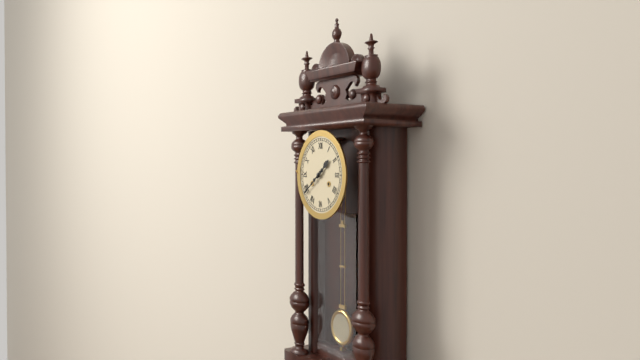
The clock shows 1h39
